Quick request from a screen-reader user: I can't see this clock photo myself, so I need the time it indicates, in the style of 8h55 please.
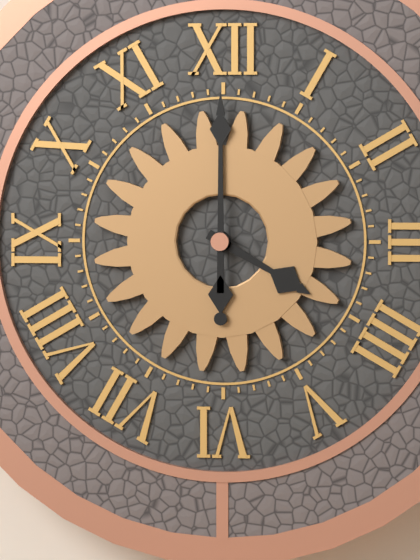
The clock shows 4h00
